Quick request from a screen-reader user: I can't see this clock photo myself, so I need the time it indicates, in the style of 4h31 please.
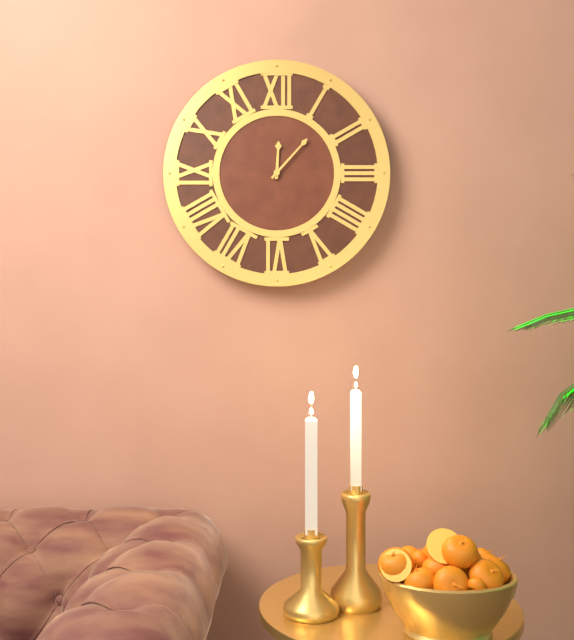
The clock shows 12h07
